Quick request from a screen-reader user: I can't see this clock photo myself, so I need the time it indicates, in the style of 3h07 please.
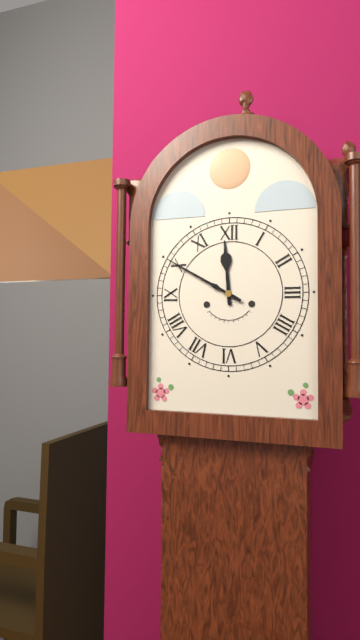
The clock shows 11h50
